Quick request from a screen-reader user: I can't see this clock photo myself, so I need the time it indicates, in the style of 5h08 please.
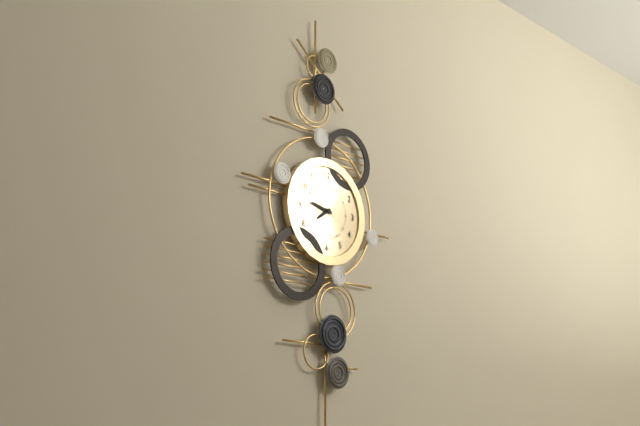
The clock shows 7h47
